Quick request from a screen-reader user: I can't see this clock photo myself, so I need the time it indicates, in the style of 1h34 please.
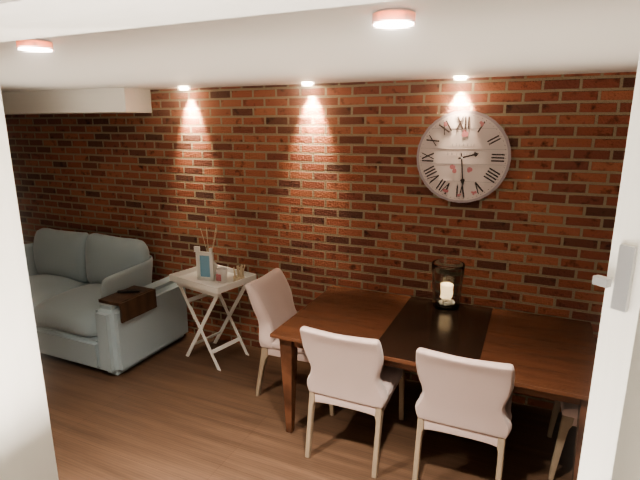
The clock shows 2h29
